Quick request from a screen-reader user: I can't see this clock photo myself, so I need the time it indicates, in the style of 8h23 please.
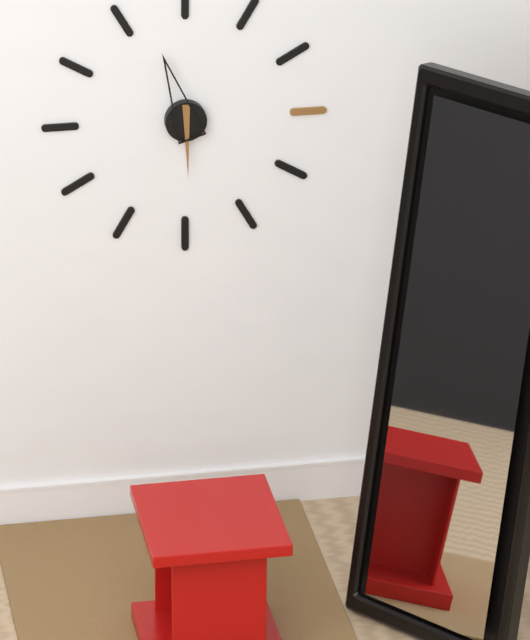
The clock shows 5h57
